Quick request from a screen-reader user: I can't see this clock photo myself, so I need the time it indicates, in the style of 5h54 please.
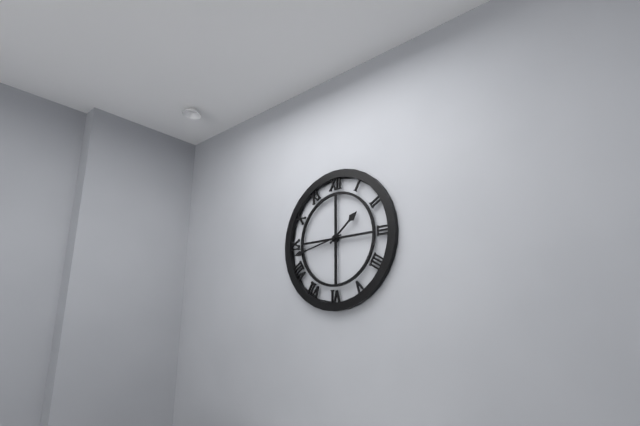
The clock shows 1h43
